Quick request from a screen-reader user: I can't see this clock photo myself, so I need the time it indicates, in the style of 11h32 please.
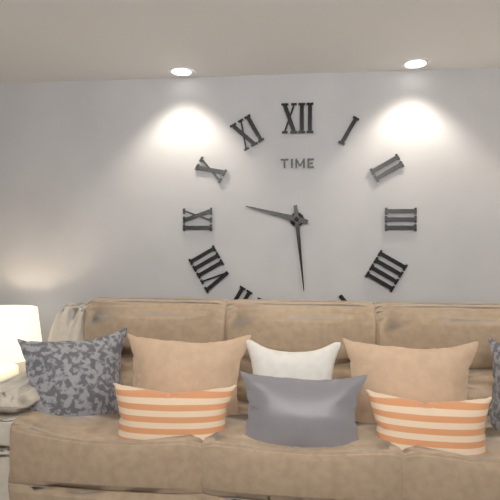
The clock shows 9h29
